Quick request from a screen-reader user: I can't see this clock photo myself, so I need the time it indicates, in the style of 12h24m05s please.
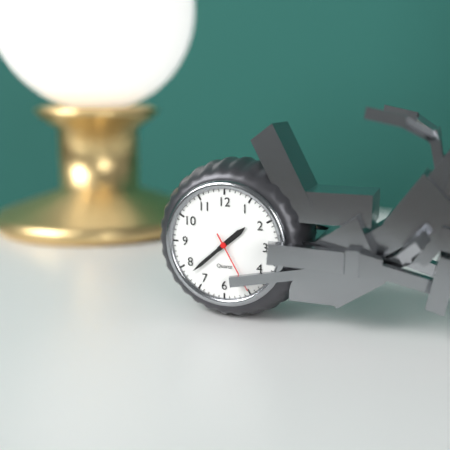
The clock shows 1h38m25s
